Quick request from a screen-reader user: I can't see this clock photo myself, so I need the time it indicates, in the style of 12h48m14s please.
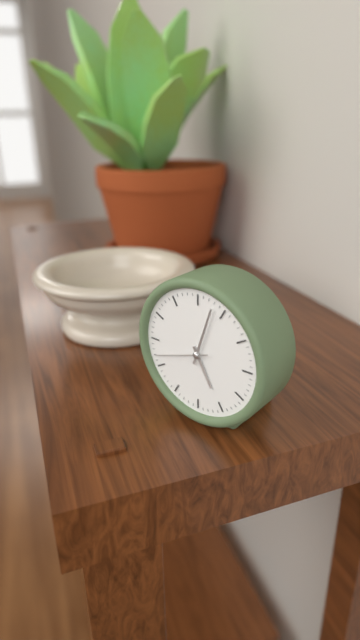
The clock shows 5h03m42s
